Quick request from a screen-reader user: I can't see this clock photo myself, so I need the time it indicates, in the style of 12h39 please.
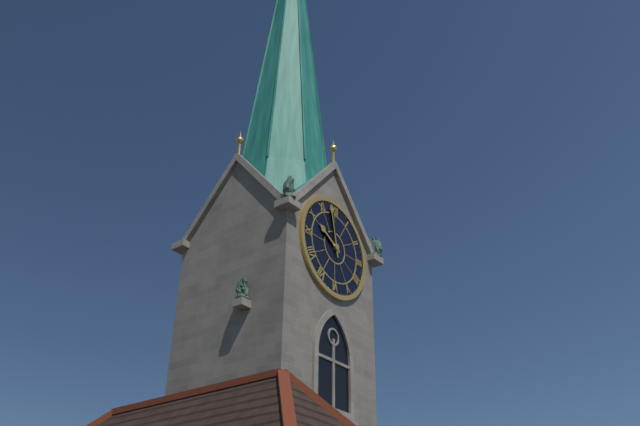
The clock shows 9h58
